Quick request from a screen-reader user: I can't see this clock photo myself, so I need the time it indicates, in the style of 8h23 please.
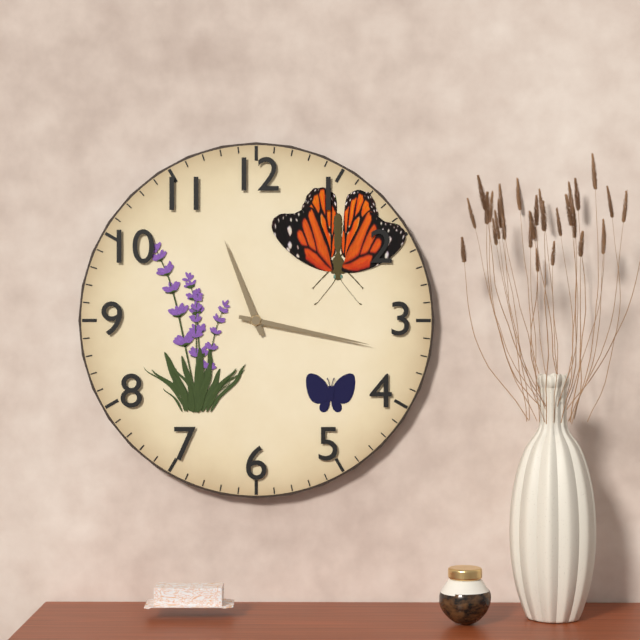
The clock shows 11h17
